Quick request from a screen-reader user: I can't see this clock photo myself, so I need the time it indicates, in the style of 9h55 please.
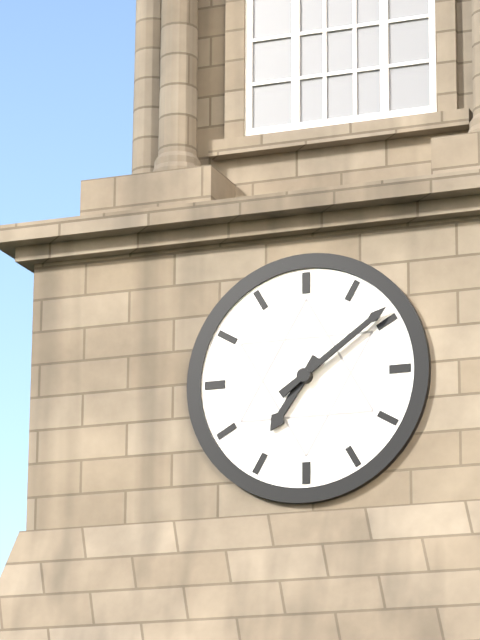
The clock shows 7h09
